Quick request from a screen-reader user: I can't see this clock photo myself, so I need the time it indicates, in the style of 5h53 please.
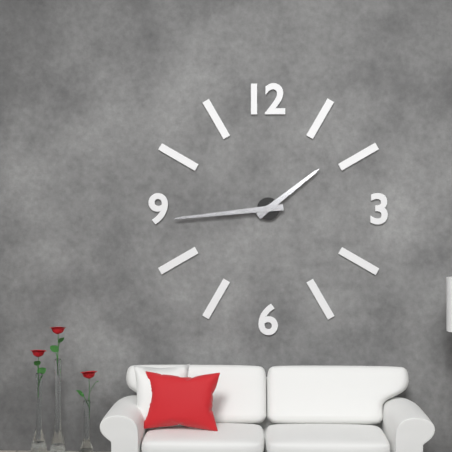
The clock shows 1h44
